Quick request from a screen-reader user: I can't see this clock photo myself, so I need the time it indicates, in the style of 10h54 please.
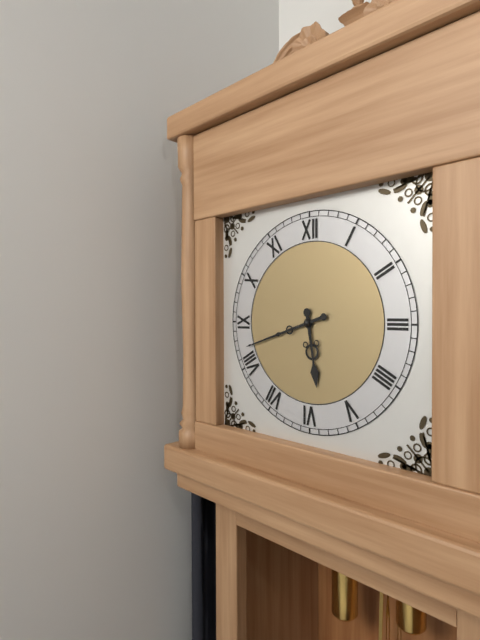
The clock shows 5h42
